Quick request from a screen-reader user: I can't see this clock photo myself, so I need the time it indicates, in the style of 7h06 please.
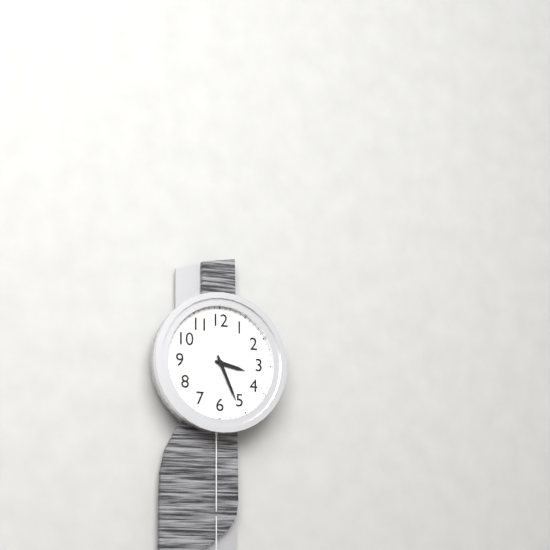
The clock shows 3h26
